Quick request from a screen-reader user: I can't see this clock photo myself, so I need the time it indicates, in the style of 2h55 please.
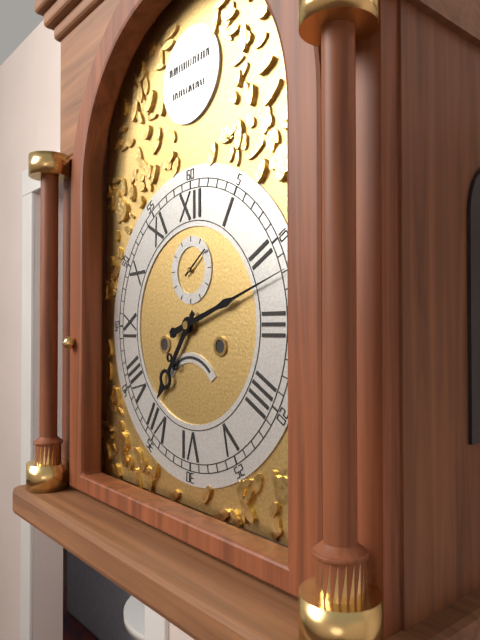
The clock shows 7h12
